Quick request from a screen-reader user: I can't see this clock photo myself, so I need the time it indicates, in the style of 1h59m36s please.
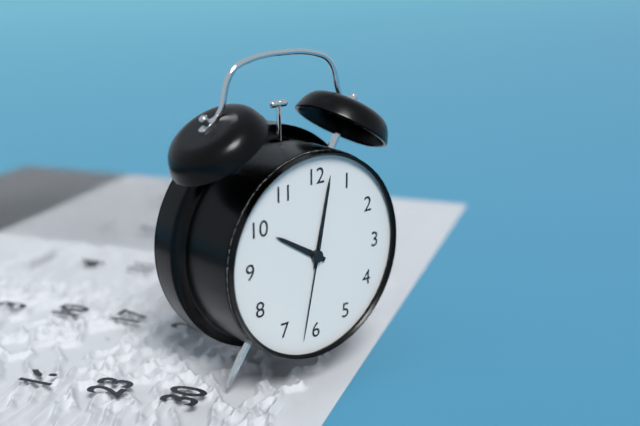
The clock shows 10h02m32s
